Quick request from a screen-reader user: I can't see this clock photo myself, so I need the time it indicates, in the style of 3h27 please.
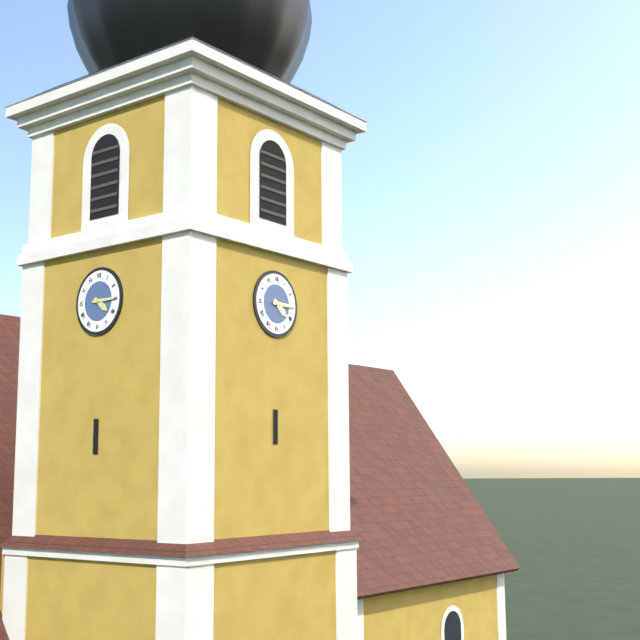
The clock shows 4h15
